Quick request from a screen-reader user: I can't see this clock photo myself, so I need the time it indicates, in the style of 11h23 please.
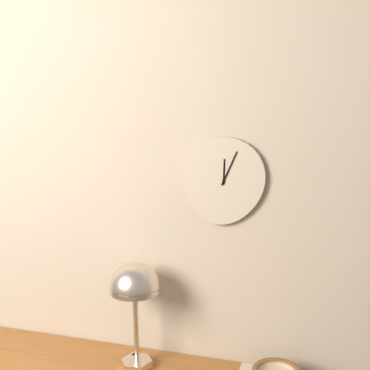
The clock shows 12h04
